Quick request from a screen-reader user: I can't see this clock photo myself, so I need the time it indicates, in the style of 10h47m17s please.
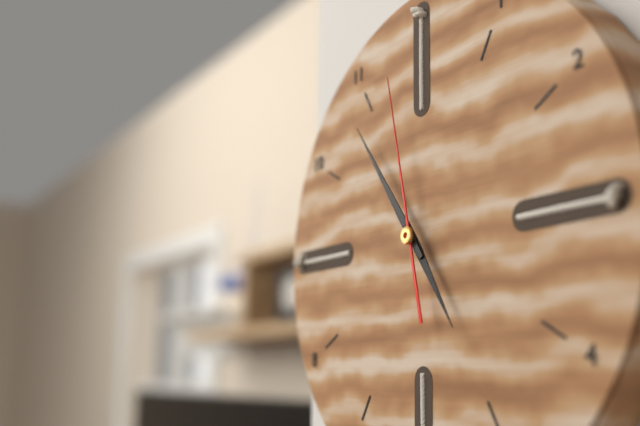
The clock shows 4h54m58s
